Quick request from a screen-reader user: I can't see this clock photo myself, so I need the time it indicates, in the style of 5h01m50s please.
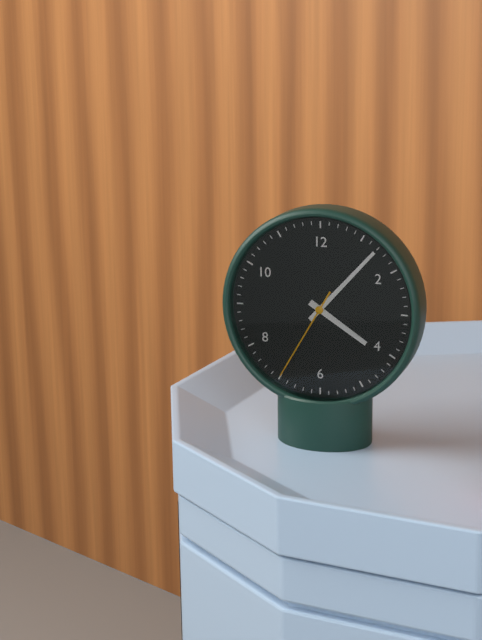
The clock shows 4h07m35s
